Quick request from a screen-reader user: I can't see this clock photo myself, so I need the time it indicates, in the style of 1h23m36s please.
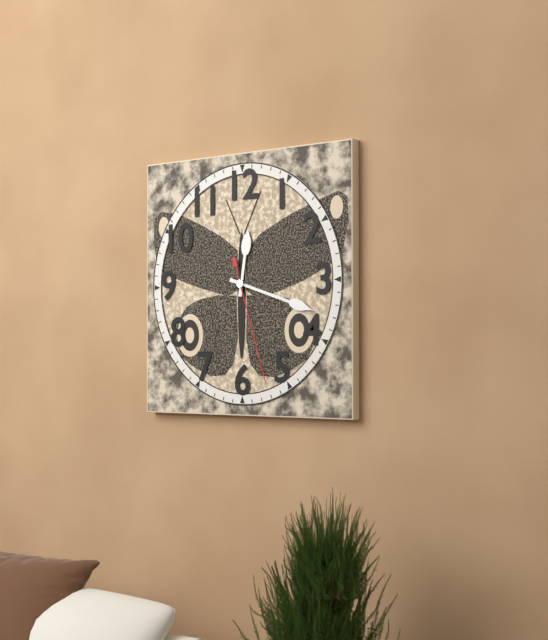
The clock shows 12h18m27s
